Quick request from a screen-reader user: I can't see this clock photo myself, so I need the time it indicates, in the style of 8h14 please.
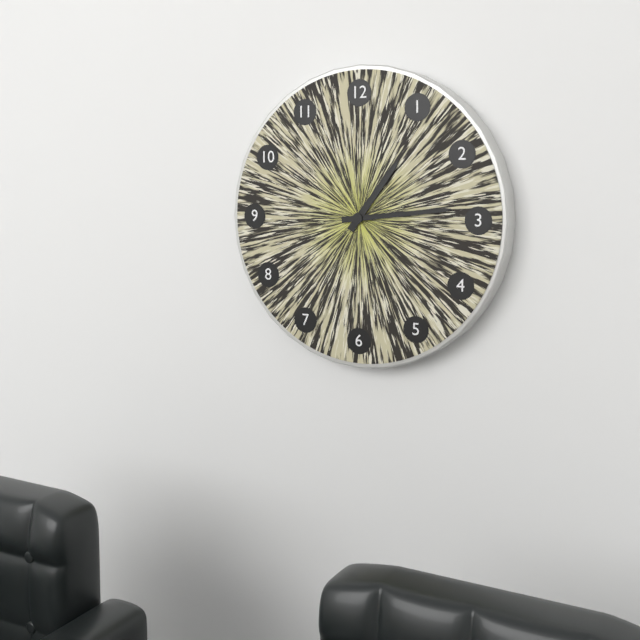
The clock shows 1h14
